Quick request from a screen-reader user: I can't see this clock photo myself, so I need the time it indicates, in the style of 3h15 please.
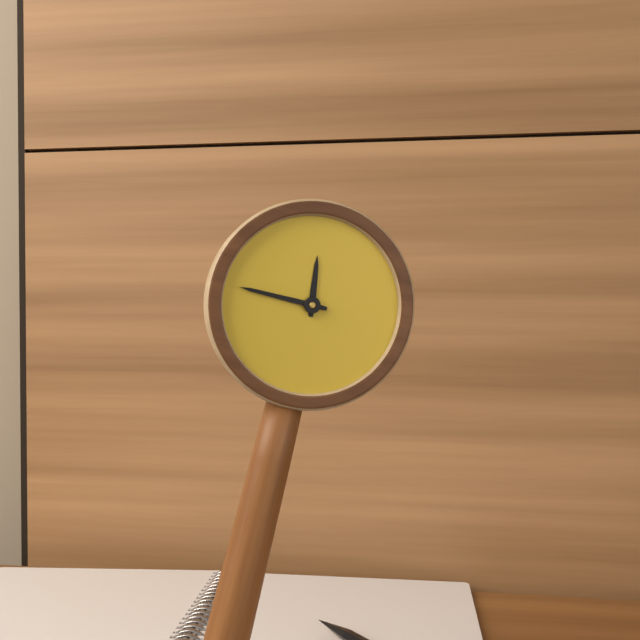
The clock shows 11h45
